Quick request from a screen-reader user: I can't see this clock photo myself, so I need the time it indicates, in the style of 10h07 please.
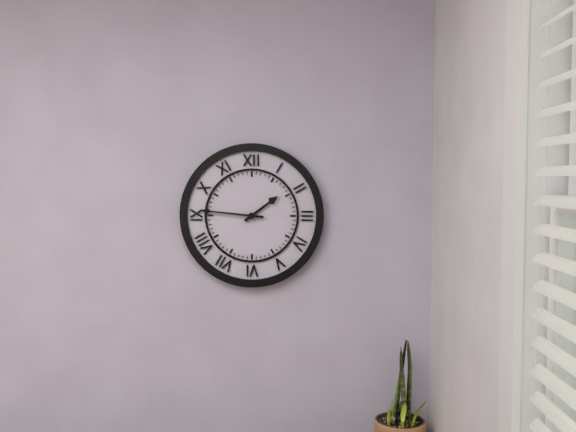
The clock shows 1h46
